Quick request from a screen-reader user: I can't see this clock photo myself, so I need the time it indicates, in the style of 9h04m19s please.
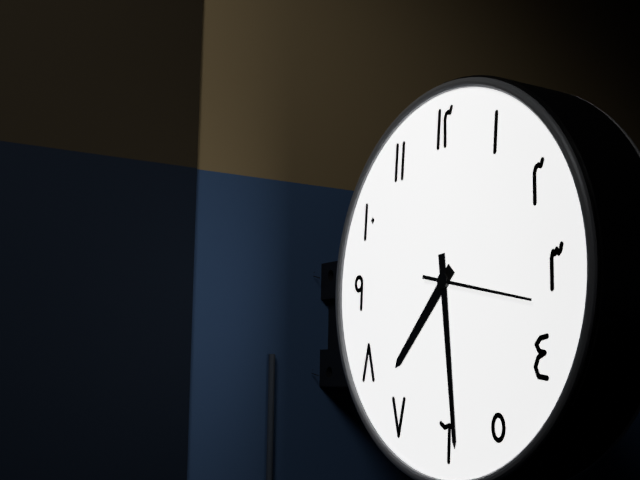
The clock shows 7h29m17s
